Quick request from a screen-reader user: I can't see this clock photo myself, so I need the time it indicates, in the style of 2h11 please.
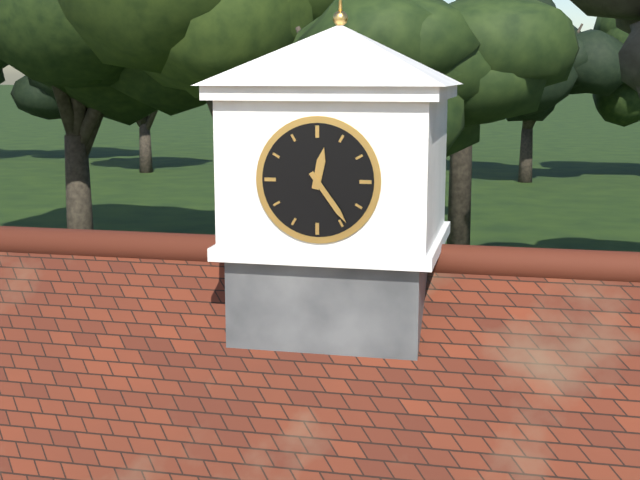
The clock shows 12h24
